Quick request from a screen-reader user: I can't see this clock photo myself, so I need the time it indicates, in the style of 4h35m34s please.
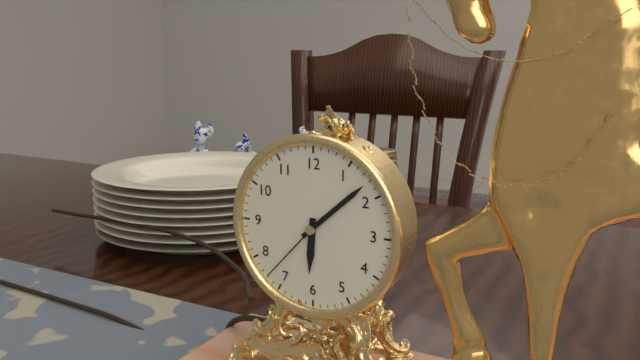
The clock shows 6h08m37s
